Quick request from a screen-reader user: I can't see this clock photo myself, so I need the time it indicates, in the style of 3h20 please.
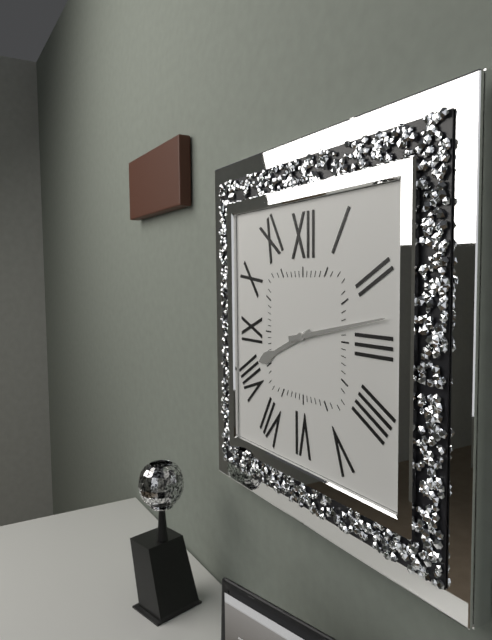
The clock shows 8h13
